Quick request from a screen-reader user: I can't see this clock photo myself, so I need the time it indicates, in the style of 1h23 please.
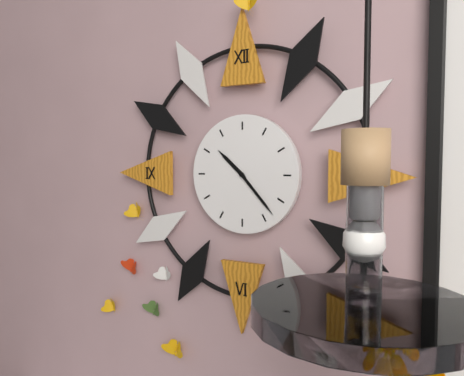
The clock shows 10h23
